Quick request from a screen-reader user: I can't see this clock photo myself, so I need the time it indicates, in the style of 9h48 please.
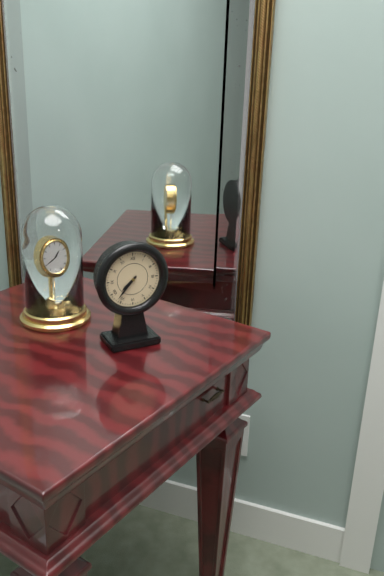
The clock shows 7h37
